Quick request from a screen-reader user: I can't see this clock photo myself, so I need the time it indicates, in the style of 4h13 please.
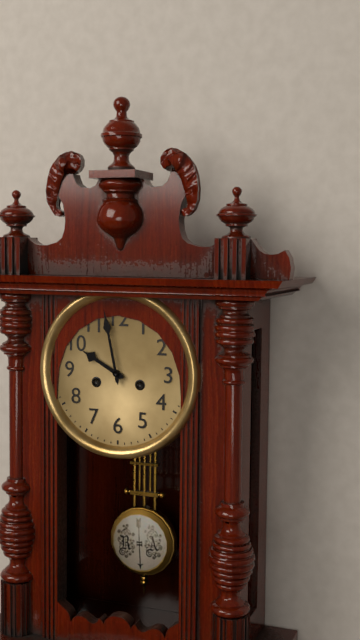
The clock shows 9h58
